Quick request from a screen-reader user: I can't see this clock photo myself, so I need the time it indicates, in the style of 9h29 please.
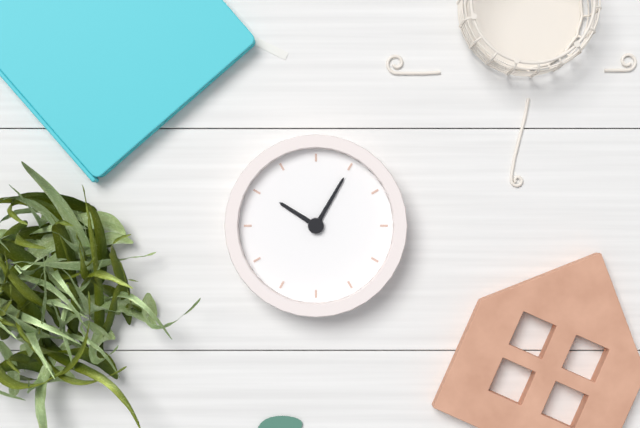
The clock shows 10h05
